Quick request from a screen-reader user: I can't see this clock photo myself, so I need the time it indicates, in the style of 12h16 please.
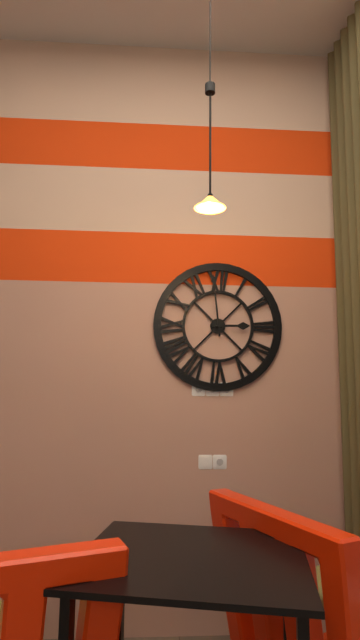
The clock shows 2h59
